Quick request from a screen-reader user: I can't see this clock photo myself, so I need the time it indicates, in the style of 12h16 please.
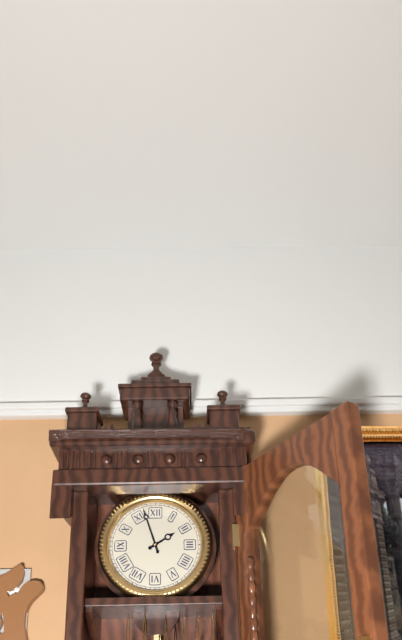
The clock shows 1h57
